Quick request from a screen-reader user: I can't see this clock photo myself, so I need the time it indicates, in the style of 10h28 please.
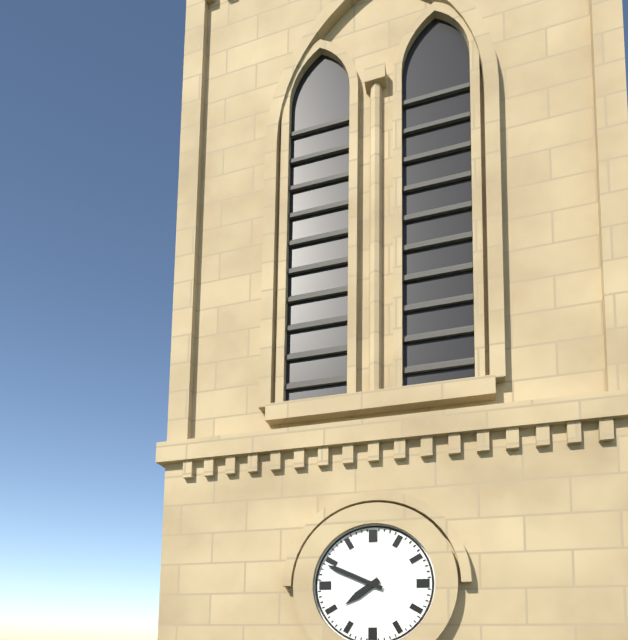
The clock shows 7h49
